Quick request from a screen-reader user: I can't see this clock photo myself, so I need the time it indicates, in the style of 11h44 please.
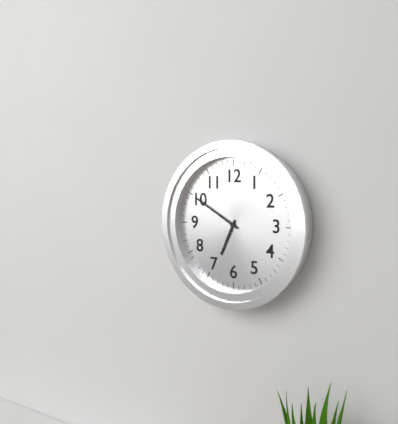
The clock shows 6h50
